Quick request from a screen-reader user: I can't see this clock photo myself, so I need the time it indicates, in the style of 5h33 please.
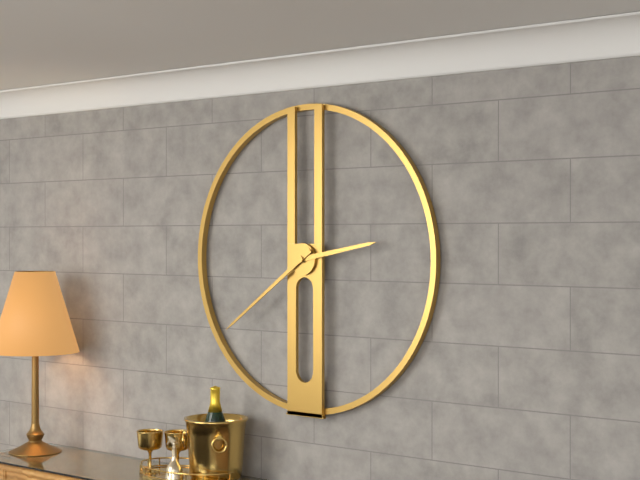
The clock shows 2h39
